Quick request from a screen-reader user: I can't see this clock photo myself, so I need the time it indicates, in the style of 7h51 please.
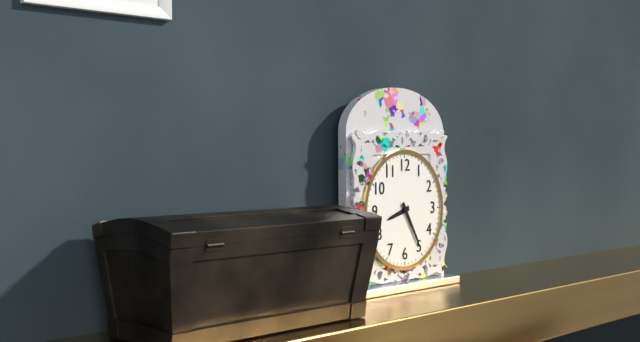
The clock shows 8h25
